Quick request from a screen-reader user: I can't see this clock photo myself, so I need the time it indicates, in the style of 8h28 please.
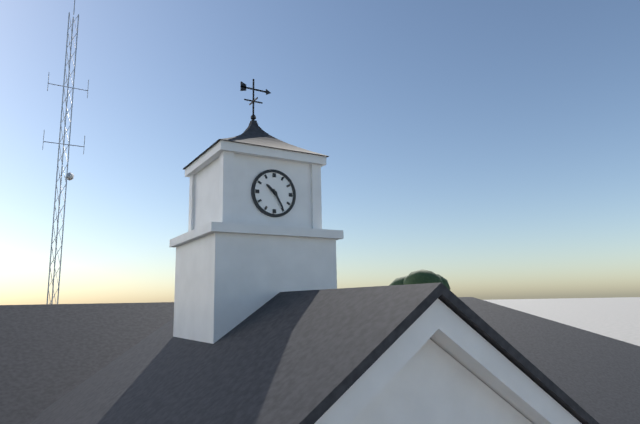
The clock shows 10h25
